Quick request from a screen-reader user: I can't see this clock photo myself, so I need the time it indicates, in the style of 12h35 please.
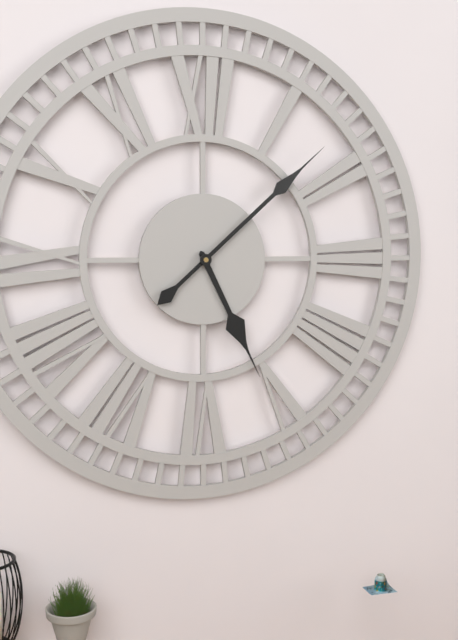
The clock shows 5h08
